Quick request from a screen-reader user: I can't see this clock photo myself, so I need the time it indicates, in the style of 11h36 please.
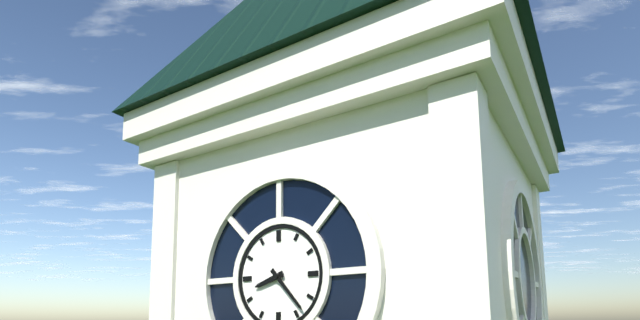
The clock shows 8h23
